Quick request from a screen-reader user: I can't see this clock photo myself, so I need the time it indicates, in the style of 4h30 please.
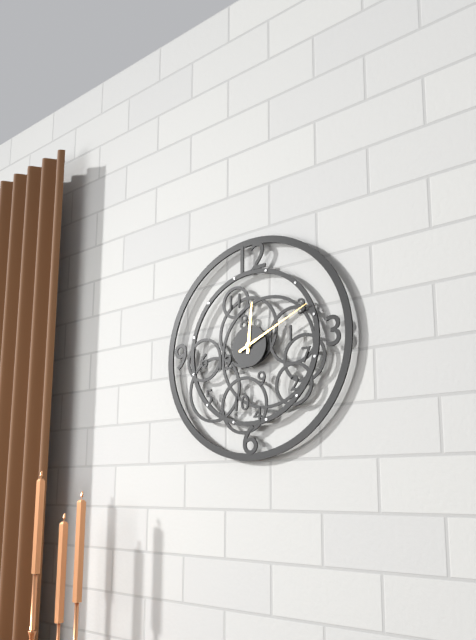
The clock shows 12h11
